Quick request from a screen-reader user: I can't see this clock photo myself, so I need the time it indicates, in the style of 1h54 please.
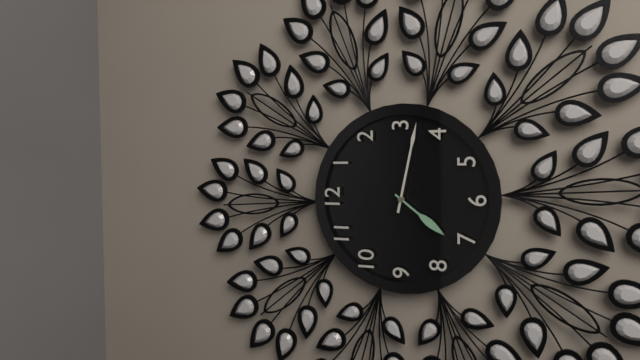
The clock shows 7h17
